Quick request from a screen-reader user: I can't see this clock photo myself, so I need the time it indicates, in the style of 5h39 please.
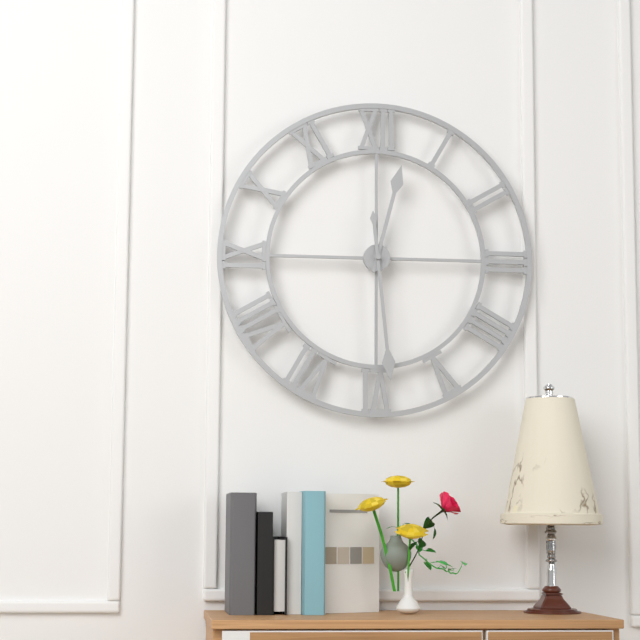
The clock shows 12h29
